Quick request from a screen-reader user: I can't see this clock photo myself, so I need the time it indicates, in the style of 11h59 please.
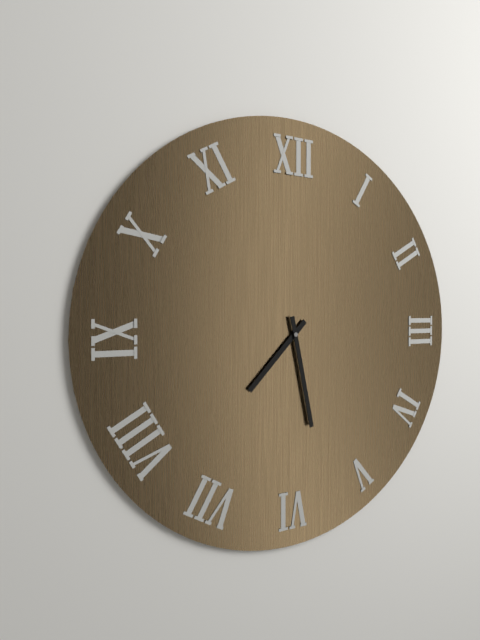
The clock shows 7h28
